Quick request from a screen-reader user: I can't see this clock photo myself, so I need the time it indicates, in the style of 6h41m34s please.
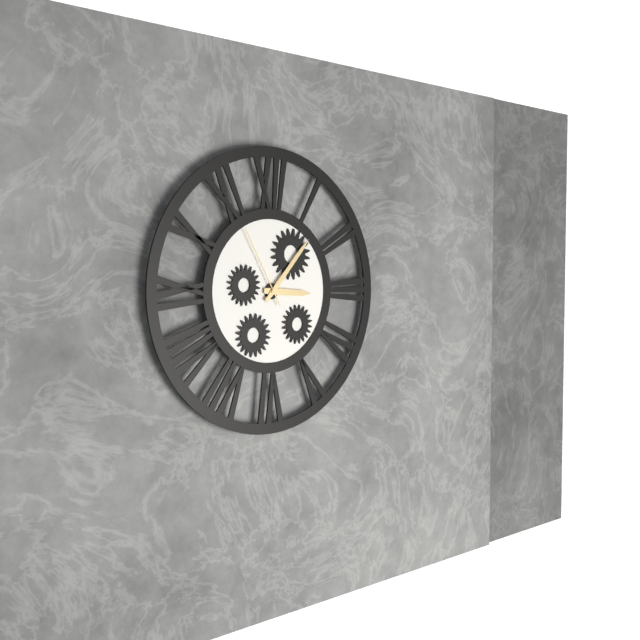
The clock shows 3h07m55s
